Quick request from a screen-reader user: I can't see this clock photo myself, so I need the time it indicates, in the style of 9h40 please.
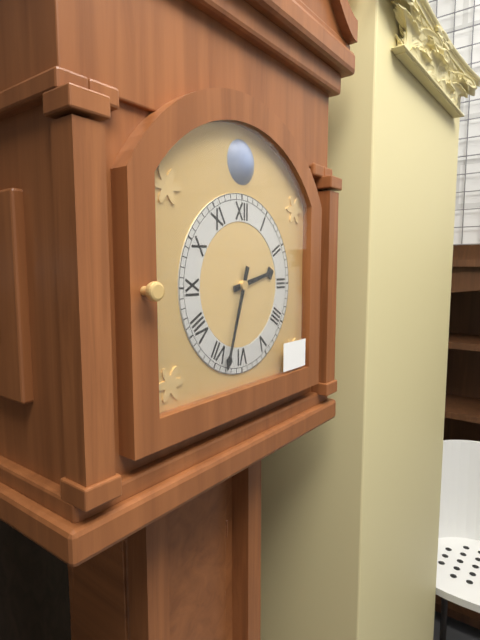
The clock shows 2h33
